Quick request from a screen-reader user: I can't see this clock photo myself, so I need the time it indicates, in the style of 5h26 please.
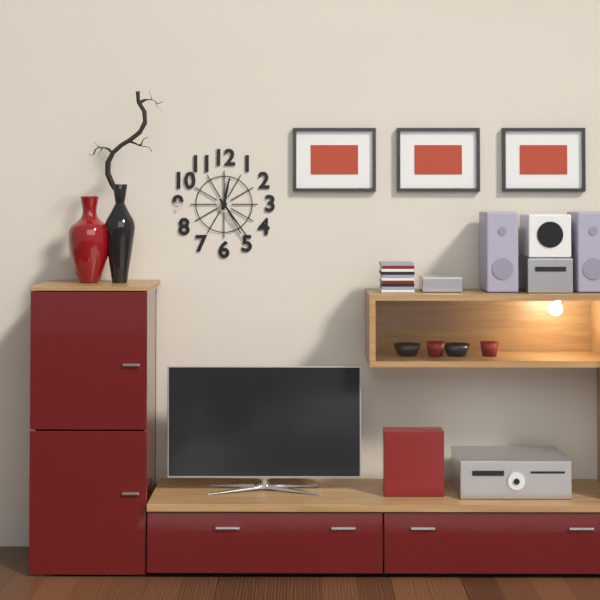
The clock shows 12h24
